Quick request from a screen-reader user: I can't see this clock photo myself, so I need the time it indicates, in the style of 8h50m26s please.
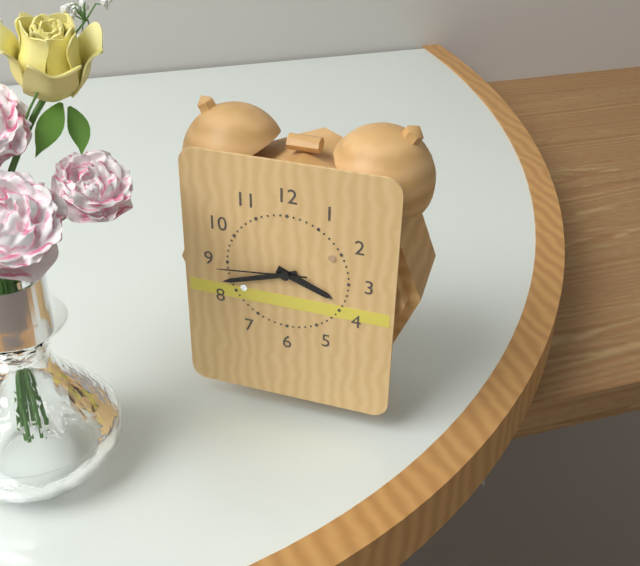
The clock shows 3h42m44s
